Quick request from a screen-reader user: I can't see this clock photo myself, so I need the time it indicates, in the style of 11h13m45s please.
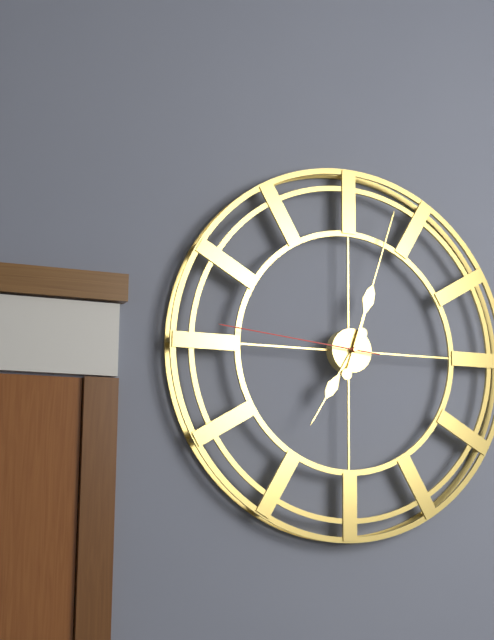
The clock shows 7h03m46s
